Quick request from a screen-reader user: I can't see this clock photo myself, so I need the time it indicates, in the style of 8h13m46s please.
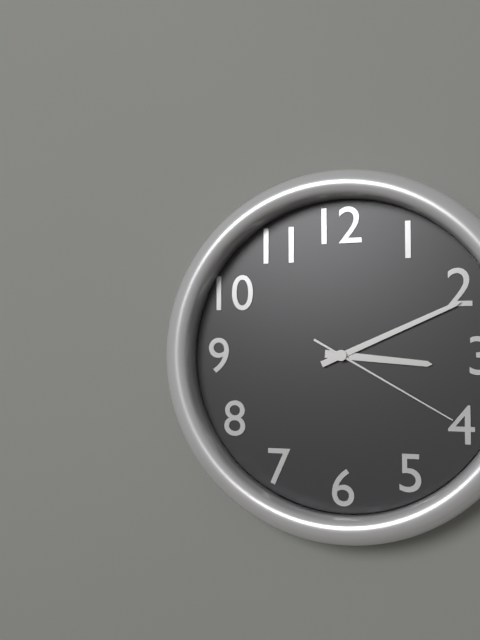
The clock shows 3h11m20s
